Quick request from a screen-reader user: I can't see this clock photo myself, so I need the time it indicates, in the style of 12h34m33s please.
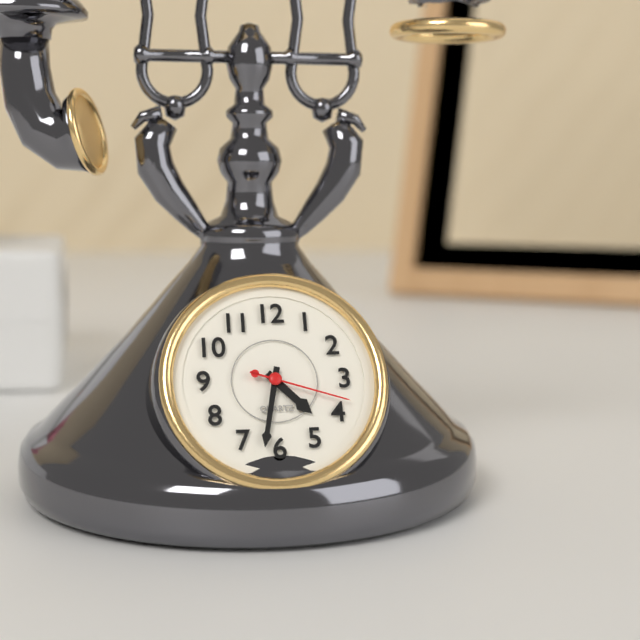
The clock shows 4h32m18s
